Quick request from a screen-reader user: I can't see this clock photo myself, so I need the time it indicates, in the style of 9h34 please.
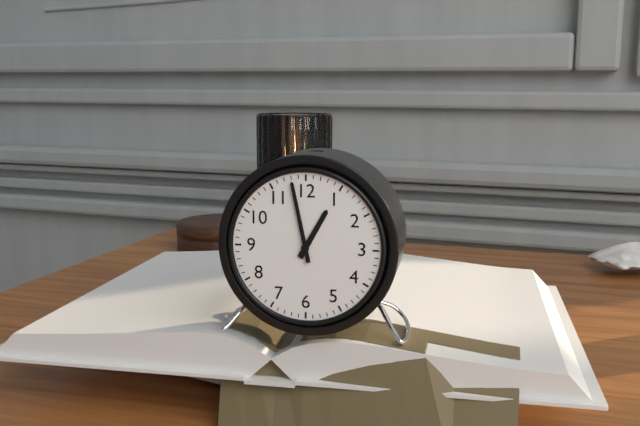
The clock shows 12h58
